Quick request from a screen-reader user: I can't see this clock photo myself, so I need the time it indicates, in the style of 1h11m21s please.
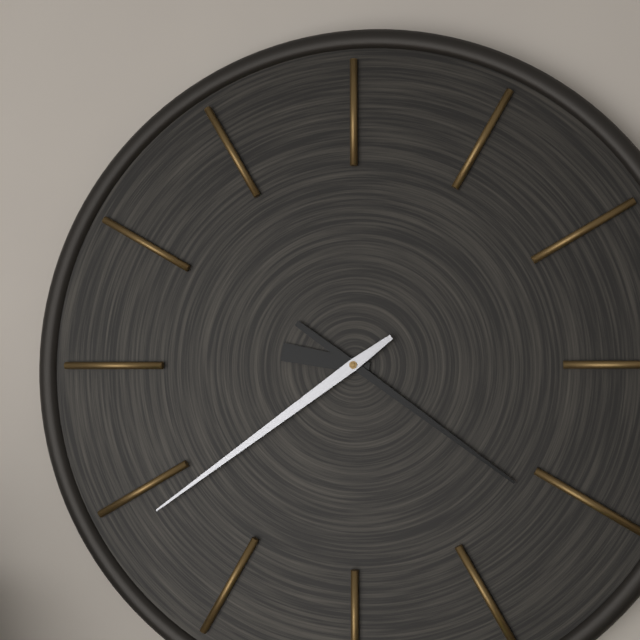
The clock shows 9h21m39s
